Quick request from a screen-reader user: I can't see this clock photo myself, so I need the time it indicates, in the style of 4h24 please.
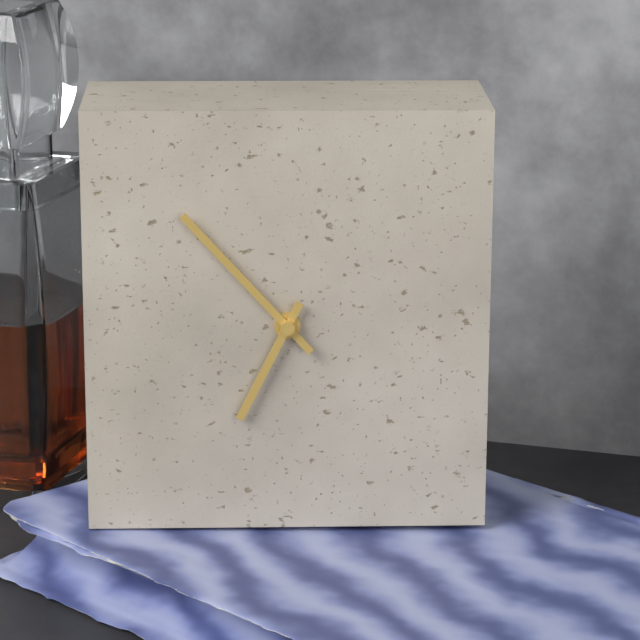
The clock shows 6h53
